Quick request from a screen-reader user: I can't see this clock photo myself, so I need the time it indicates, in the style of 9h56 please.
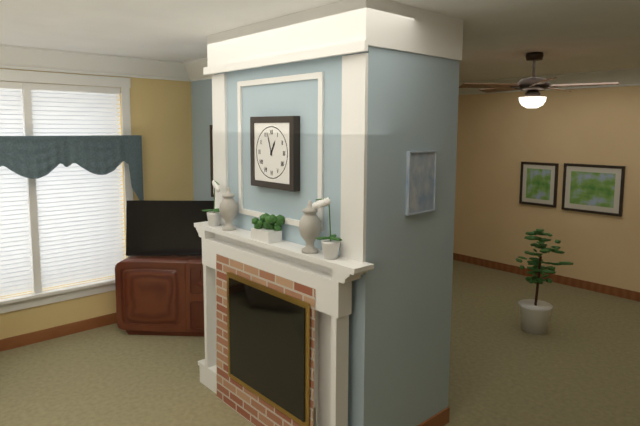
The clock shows 12h57
